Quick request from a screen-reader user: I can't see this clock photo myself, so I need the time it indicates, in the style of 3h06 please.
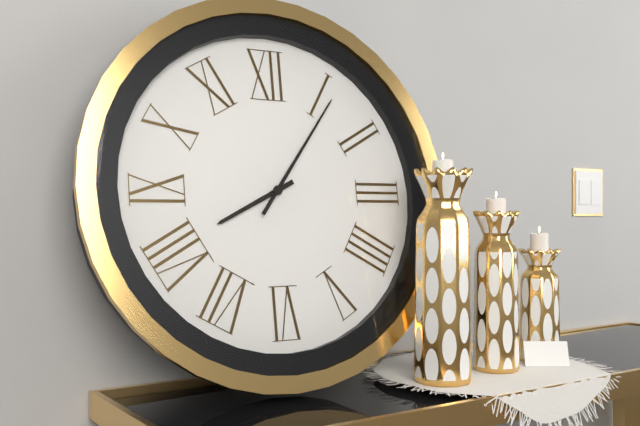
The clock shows 8h06
